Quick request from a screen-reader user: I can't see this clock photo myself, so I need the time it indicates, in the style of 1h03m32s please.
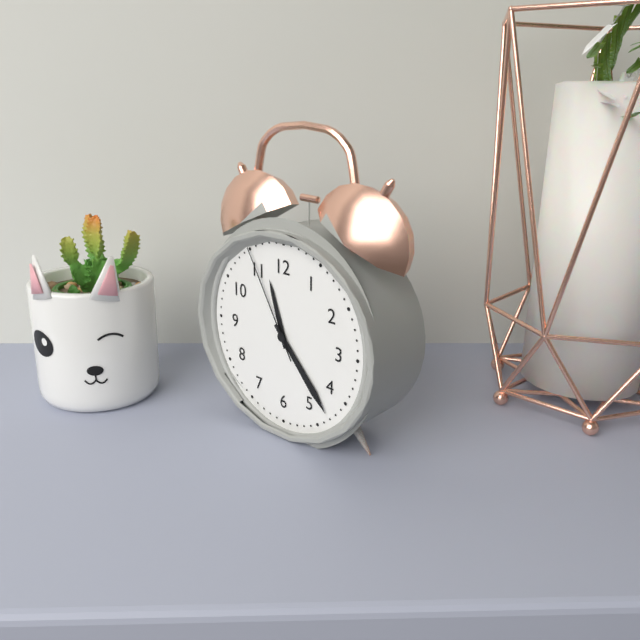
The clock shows 11h23m55s
